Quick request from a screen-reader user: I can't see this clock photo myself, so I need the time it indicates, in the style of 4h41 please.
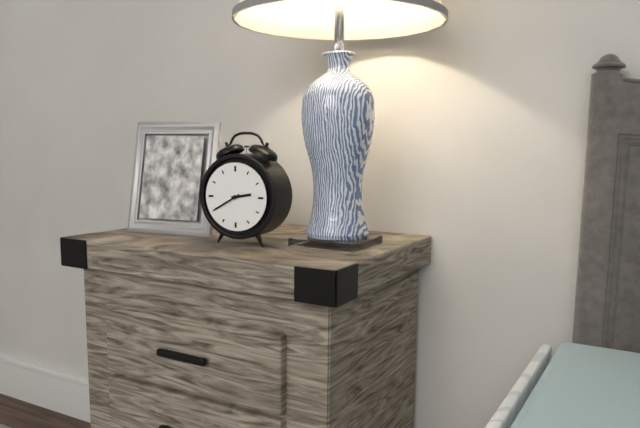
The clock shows 2h40
